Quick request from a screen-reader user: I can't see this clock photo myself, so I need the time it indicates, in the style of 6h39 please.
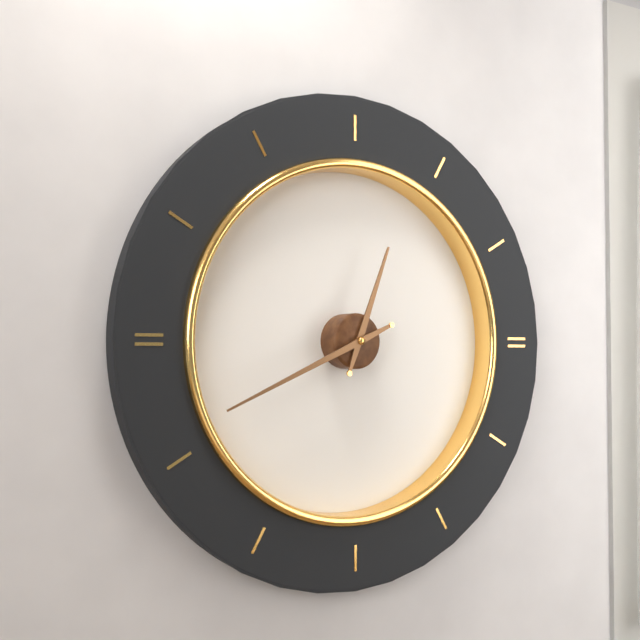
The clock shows 12h41
